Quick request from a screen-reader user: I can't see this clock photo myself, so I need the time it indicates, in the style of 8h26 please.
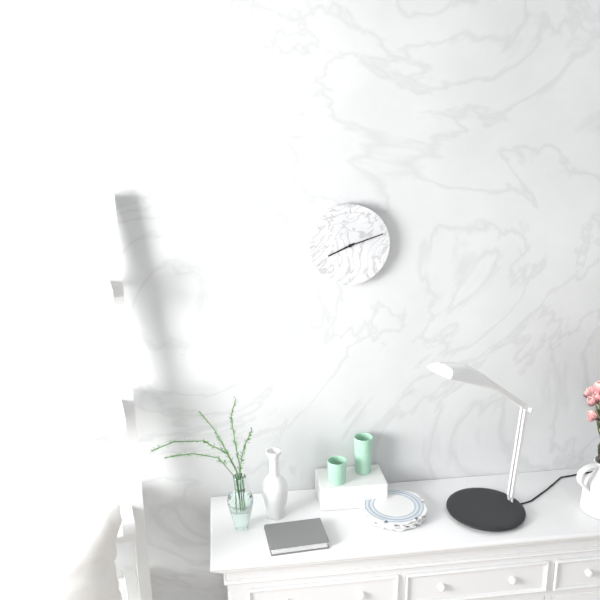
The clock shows 8h12
